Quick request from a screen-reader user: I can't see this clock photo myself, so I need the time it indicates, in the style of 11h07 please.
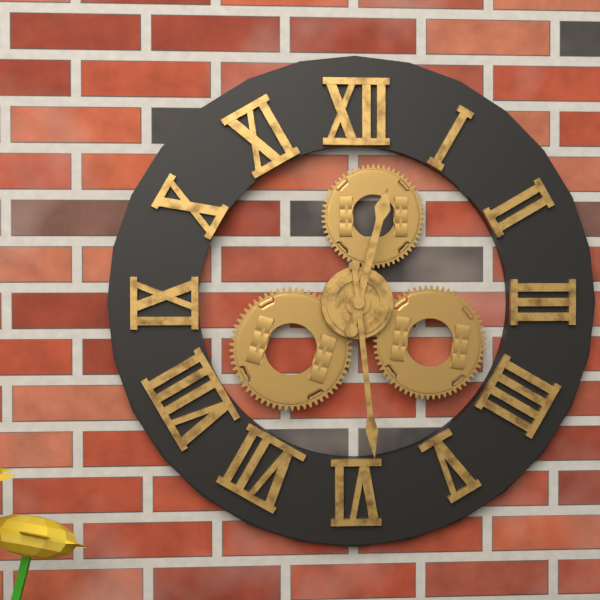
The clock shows 12h29
